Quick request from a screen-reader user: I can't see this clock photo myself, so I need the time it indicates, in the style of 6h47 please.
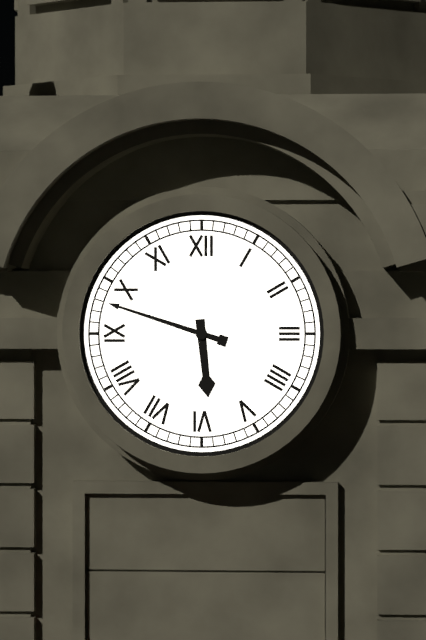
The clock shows 5h48
